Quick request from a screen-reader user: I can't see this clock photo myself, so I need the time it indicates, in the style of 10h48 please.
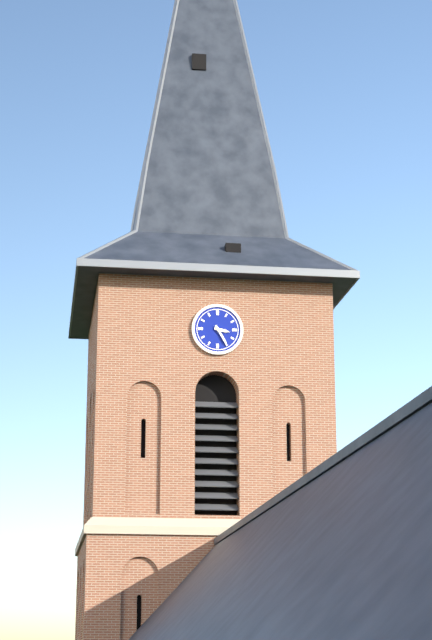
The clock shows 3h25
